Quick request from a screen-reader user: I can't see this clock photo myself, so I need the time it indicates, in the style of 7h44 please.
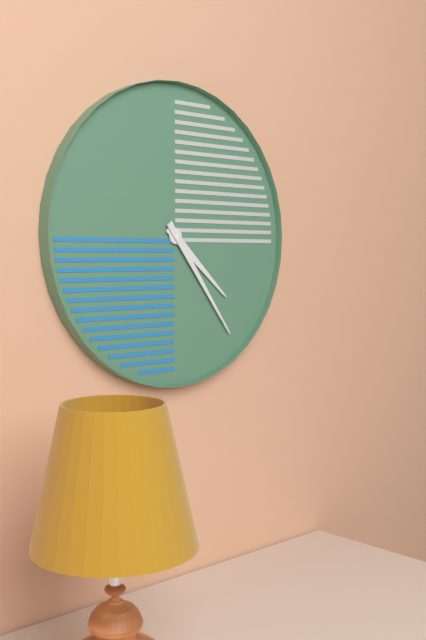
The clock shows 4h24
